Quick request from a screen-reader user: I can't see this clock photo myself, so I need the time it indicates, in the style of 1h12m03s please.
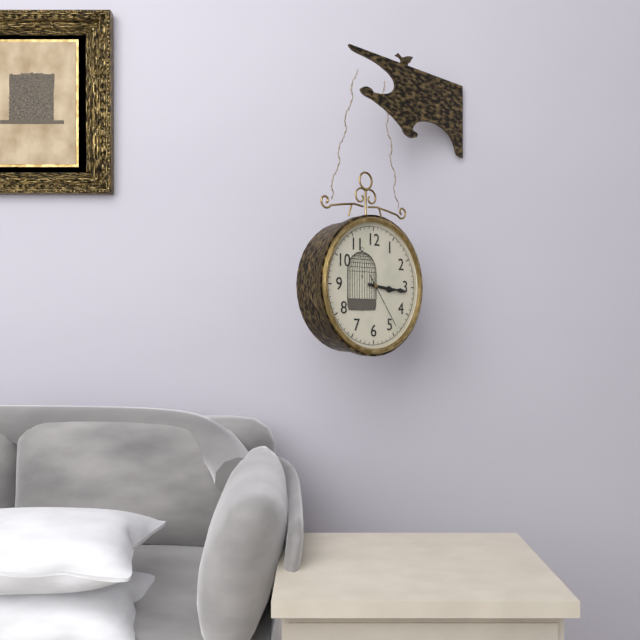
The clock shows 3h16m24s
